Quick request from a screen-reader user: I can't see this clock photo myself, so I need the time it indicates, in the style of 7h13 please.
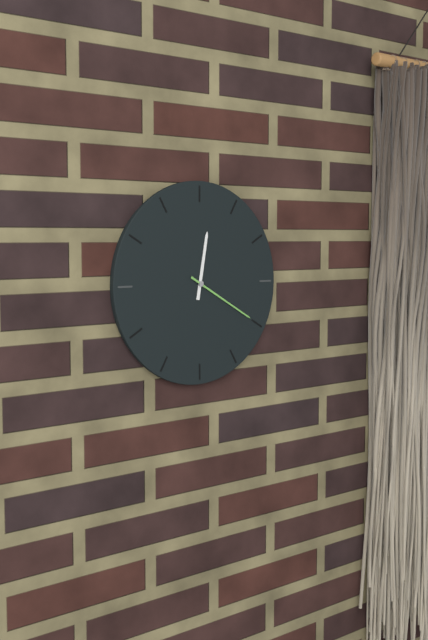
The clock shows 12h20
